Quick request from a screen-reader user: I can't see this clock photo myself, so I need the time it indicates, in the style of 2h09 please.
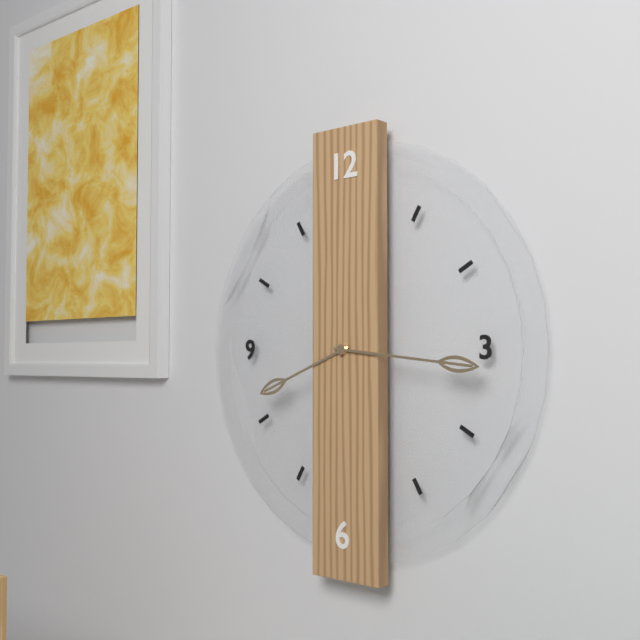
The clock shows 8h16
